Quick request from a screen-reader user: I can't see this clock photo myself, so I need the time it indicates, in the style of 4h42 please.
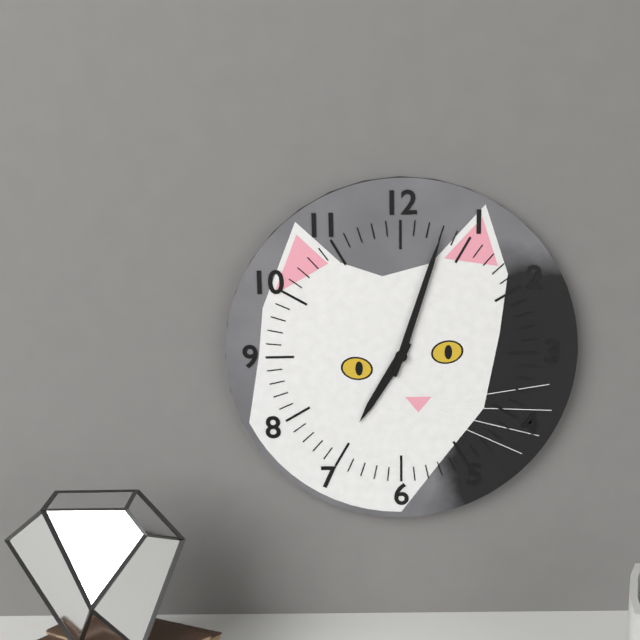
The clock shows 7h03
